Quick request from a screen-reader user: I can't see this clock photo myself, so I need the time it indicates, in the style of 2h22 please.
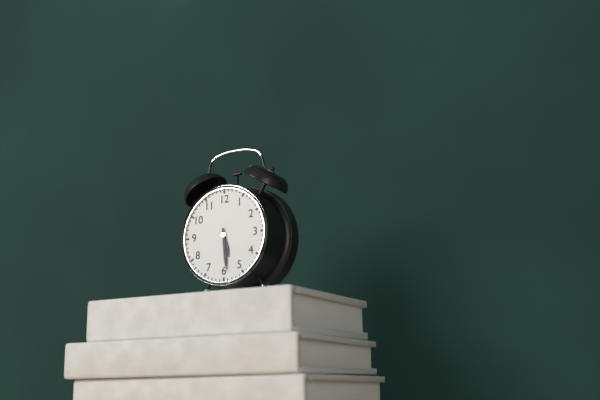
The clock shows 5h29
